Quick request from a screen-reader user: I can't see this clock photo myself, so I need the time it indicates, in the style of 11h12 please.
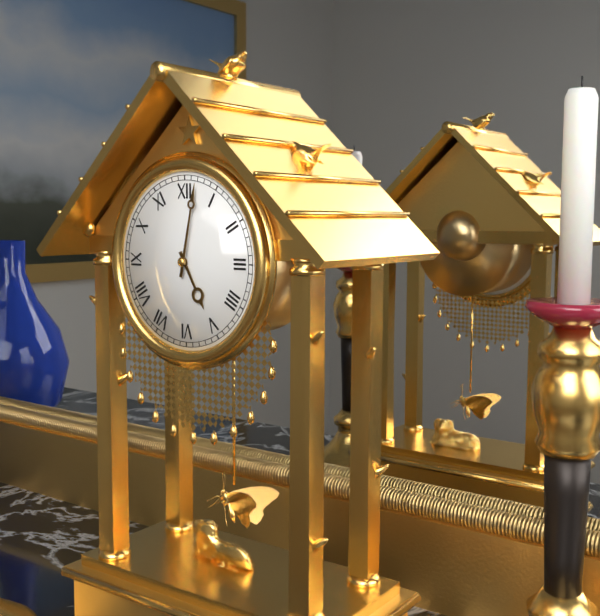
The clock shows 5h02
